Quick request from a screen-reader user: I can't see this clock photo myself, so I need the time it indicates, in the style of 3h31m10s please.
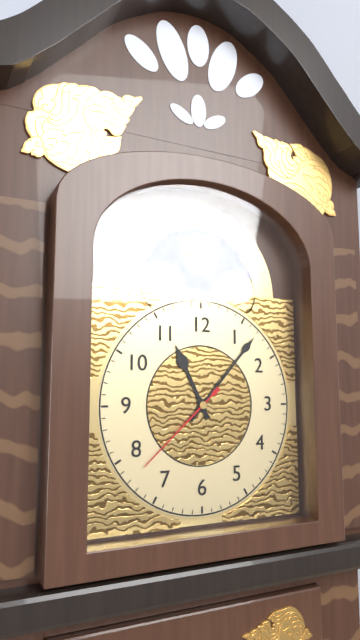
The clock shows 11h07m38s
